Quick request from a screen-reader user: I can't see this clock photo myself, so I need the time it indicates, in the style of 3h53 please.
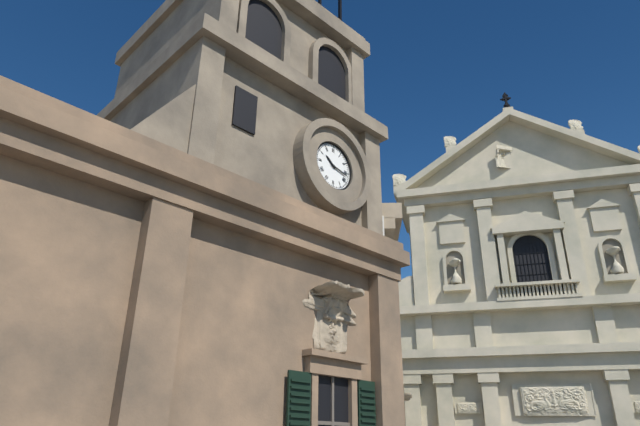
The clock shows 10h17
